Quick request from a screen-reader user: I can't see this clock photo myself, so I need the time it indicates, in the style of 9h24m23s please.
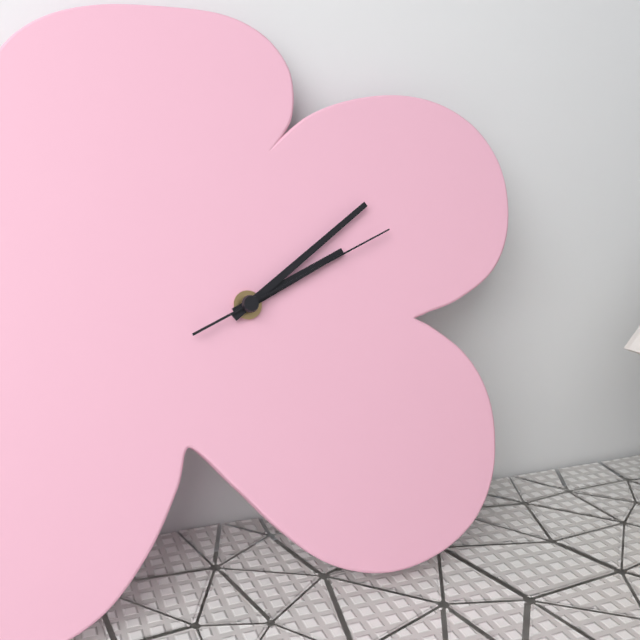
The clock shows 2h09m11s
